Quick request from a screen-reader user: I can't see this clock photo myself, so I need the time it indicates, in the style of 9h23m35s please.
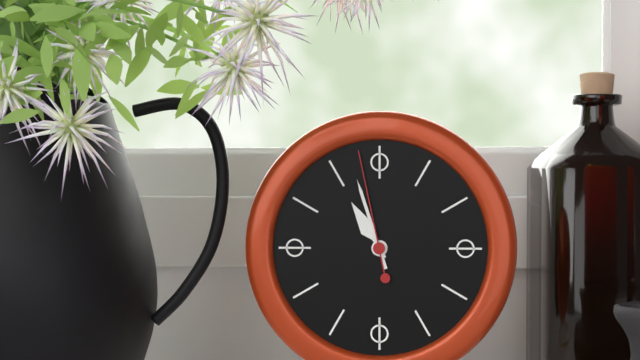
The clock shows 10h57m58s
